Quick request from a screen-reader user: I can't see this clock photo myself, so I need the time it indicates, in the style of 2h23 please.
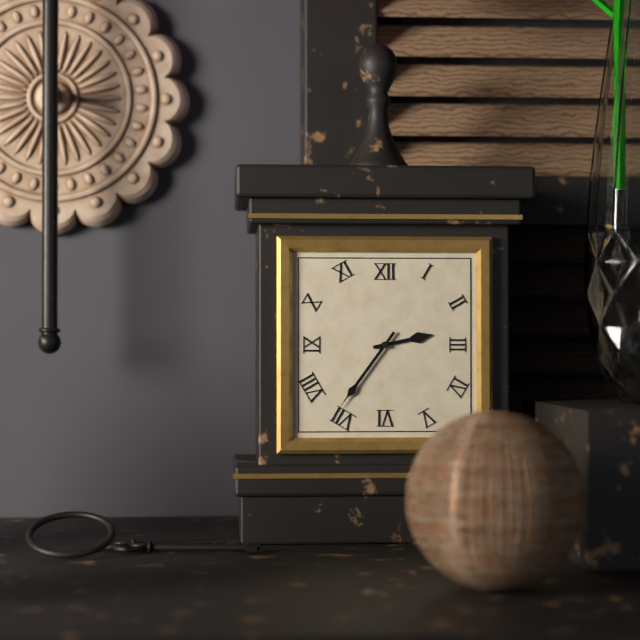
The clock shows 2h36
